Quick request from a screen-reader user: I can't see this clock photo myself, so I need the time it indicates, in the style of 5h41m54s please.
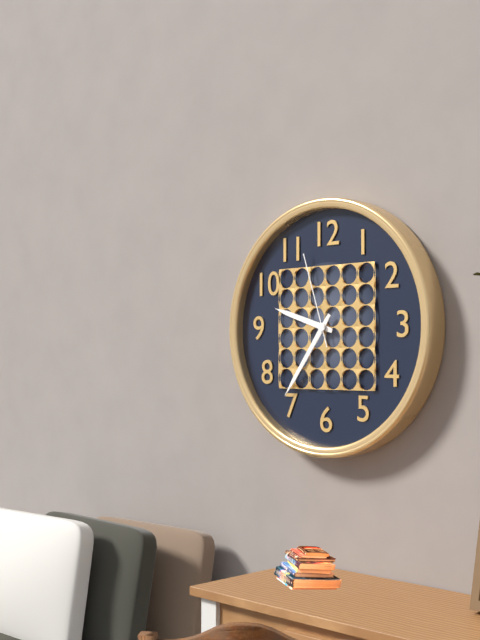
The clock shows 9h36m57s
